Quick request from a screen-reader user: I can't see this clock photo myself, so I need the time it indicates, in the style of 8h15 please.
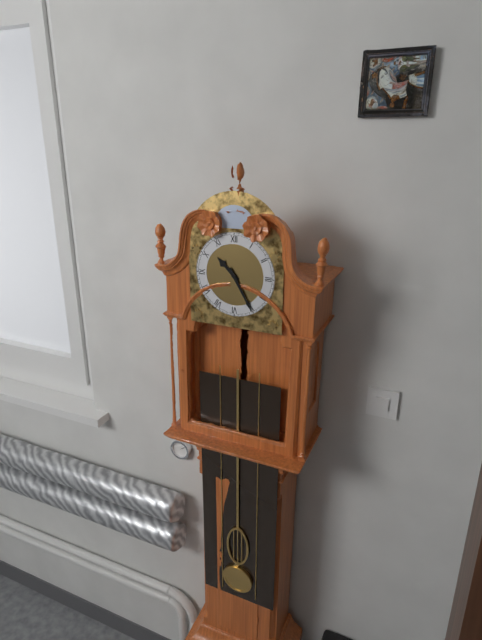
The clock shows 10h25
